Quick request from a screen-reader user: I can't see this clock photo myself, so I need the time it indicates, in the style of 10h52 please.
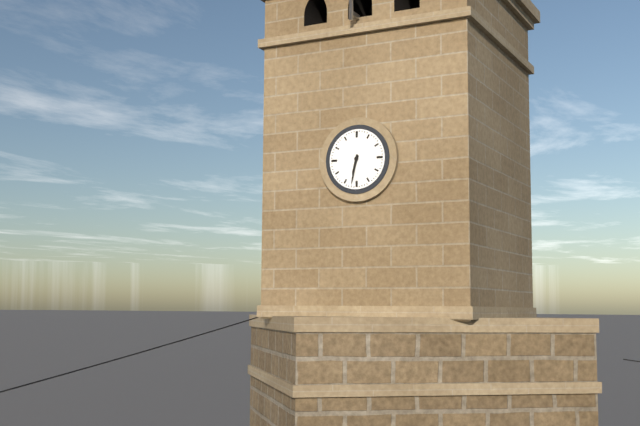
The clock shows 6h32
